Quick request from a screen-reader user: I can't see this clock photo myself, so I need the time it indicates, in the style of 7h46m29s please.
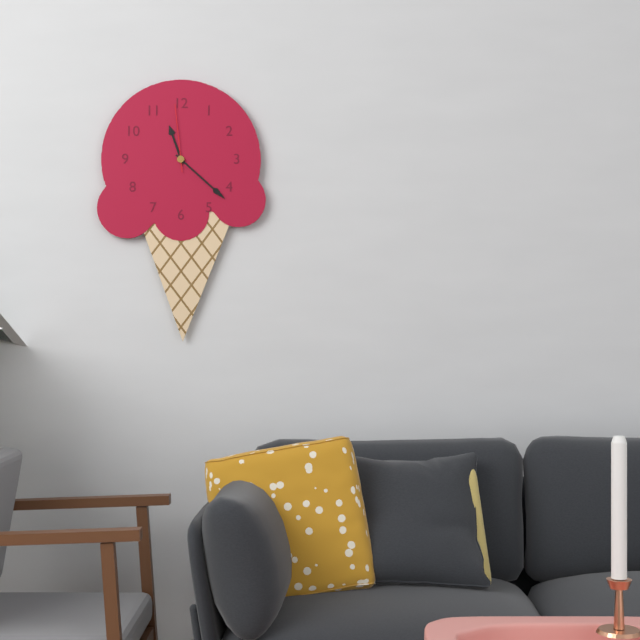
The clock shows 11h22m59s
